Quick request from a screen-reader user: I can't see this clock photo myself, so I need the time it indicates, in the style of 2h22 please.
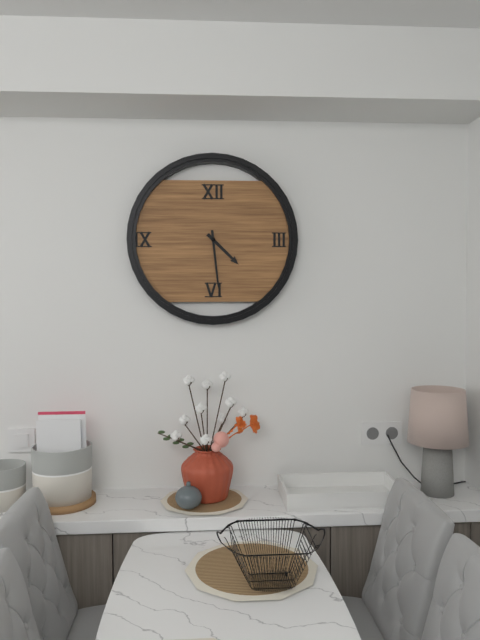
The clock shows 4h29
